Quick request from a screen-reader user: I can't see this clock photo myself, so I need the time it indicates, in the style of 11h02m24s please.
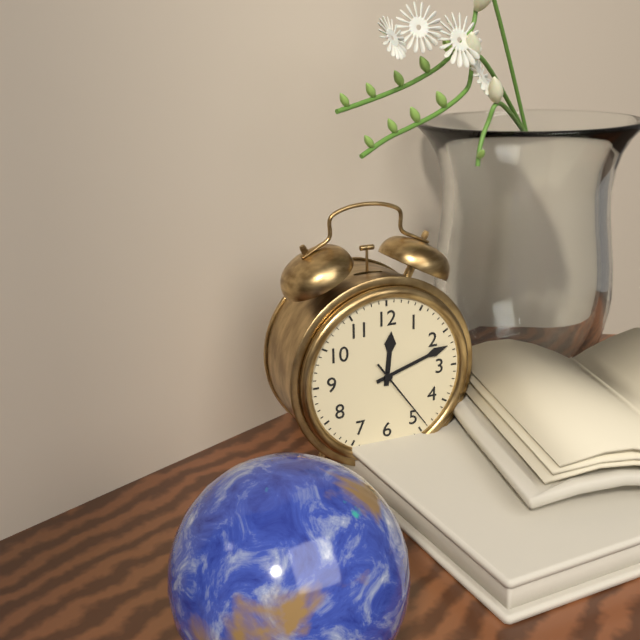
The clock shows 12h12m24s
